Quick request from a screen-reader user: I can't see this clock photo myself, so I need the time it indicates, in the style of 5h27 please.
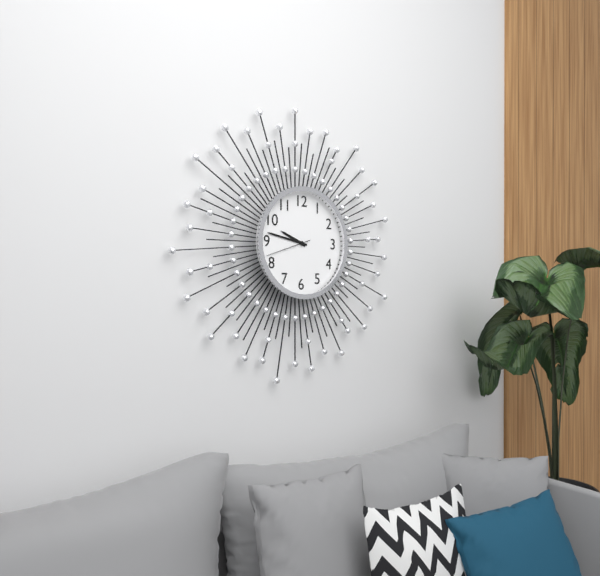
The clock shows 9h47
